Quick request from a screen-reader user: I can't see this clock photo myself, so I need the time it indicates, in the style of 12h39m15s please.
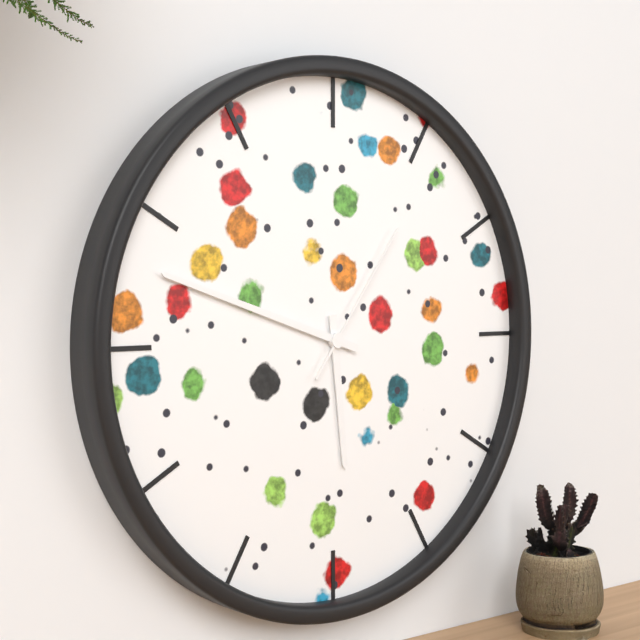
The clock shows 5h48m06s
